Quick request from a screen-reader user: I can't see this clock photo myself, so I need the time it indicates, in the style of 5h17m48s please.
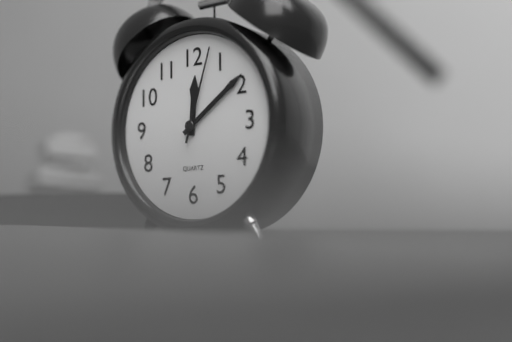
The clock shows 12h09m03s
